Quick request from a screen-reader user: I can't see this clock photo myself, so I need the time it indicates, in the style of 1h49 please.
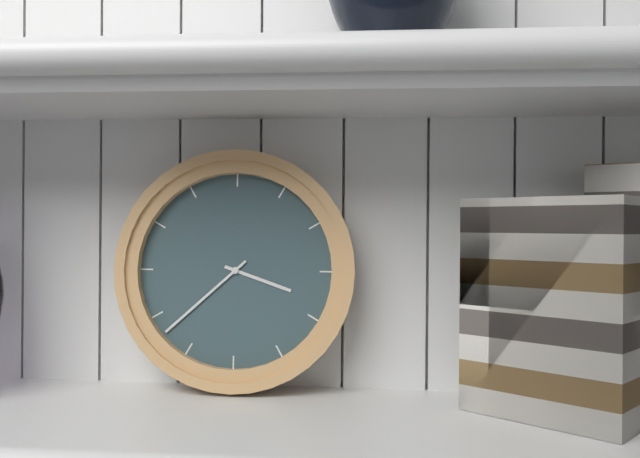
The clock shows 3h38
